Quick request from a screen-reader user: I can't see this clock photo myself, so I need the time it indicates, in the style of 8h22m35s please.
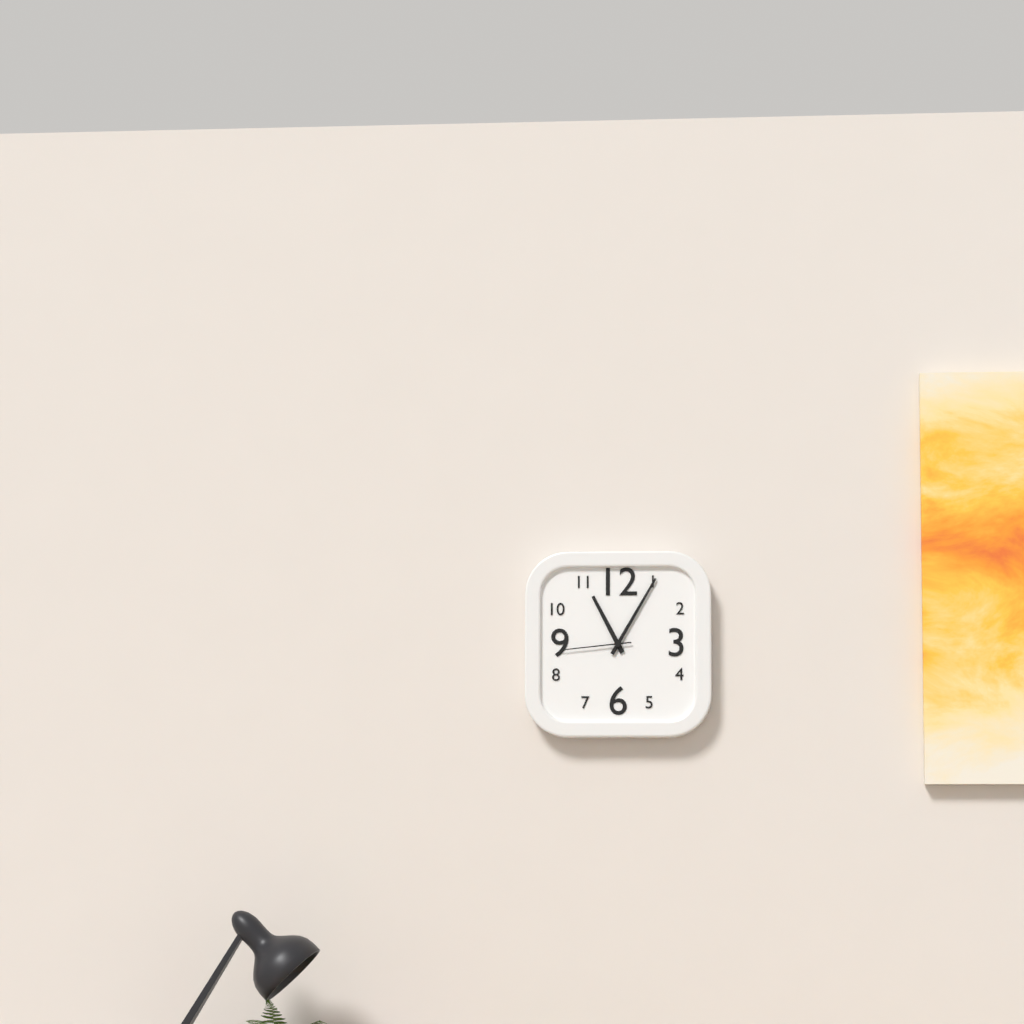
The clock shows 11h05m44s
